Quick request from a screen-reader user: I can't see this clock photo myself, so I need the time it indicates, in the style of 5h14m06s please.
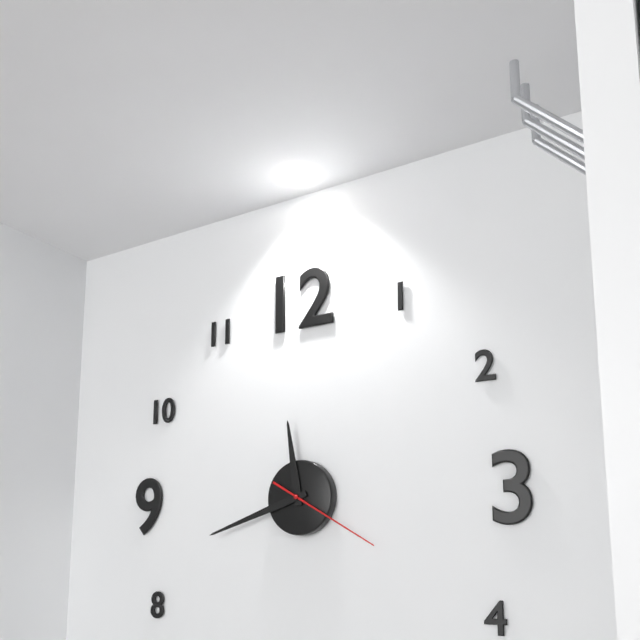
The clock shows 11h42m20s
